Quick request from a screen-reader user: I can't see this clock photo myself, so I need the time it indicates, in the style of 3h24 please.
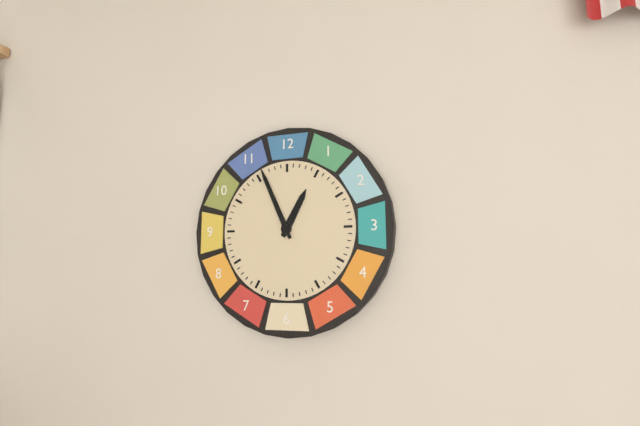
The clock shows 12h56
